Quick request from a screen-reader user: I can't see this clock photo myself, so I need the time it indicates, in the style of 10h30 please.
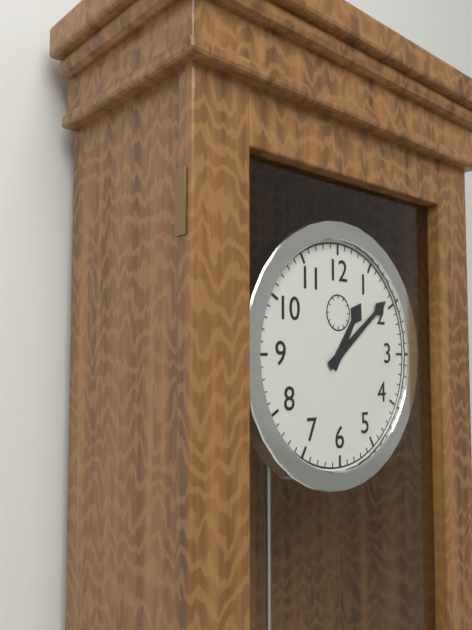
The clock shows 1h09
